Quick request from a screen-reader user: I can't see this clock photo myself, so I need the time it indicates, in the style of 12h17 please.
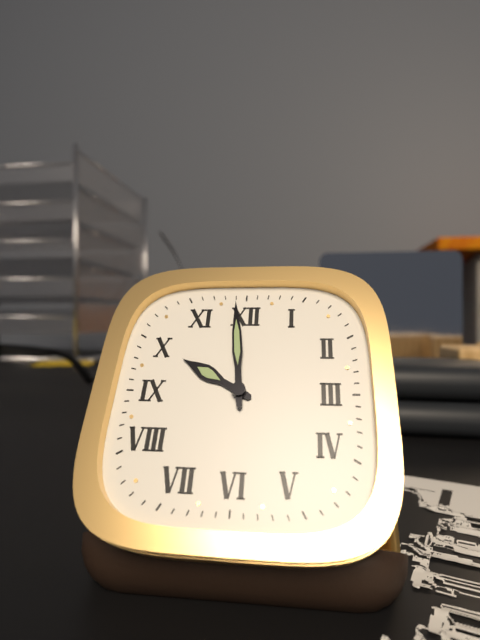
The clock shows 9h59
